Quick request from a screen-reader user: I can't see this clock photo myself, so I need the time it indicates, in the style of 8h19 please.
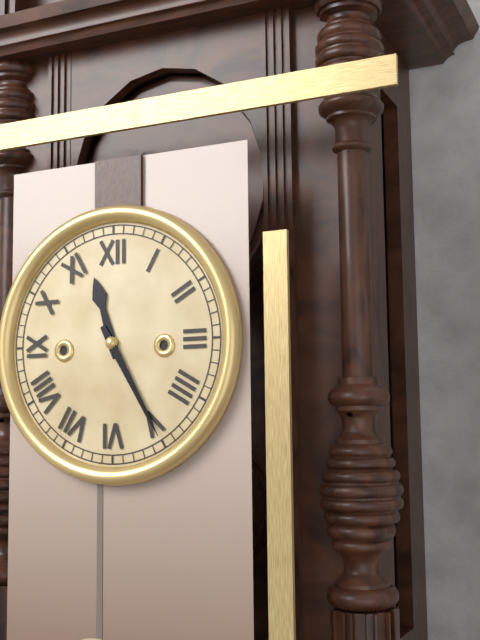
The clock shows 11h25
